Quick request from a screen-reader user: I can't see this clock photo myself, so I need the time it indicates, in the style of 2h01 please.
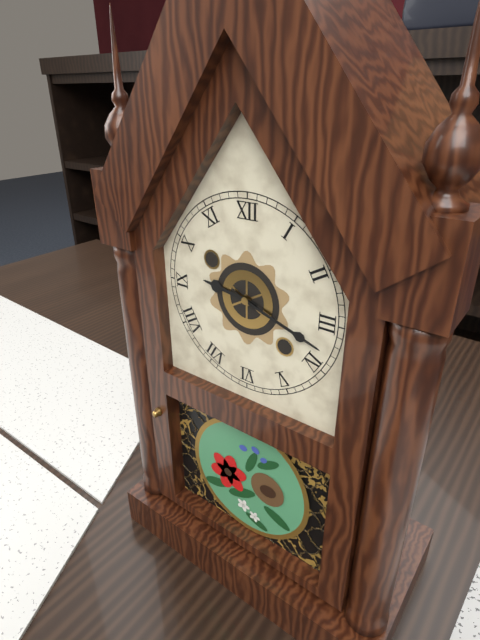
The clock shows 9h18
